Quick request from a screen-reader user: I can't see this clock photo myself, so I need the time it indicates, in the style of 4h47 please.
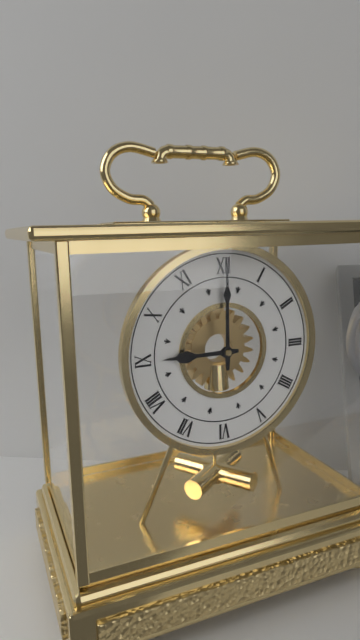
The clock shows 9h00
